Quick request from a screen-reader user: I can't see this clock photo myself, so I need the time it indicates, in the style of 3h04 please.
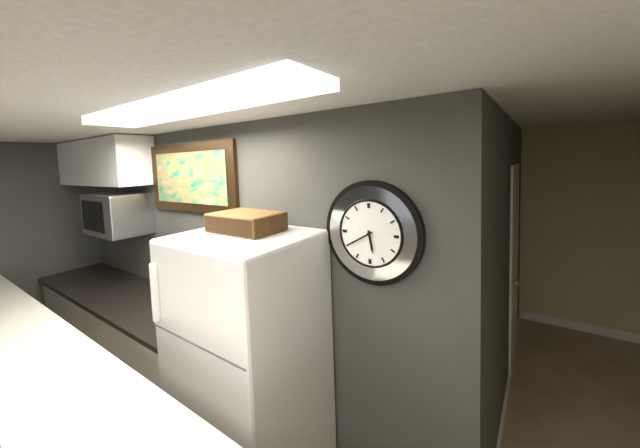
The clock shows 5h40
